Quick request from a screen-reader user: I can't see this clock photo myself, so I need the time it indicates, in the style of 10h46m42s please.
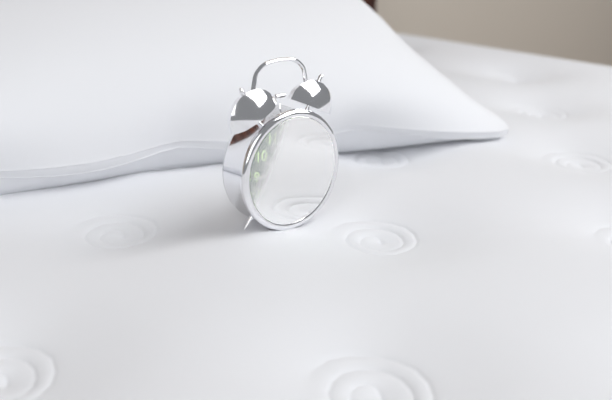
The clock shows 9h45m32s
